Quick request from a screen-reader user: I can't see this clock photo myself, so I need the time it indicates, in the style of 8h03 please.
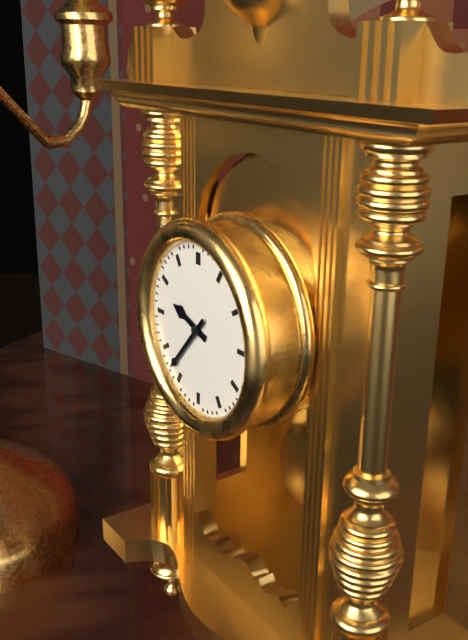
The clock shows 9h37
